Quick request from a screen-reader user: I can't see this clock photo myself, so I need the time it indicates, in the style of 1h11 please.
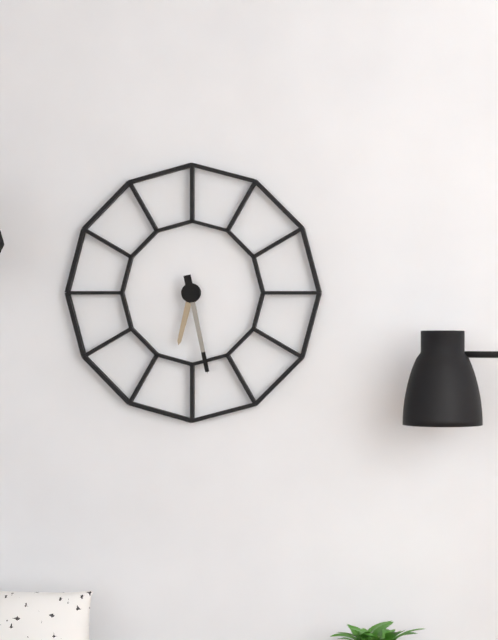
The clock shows 6h28
